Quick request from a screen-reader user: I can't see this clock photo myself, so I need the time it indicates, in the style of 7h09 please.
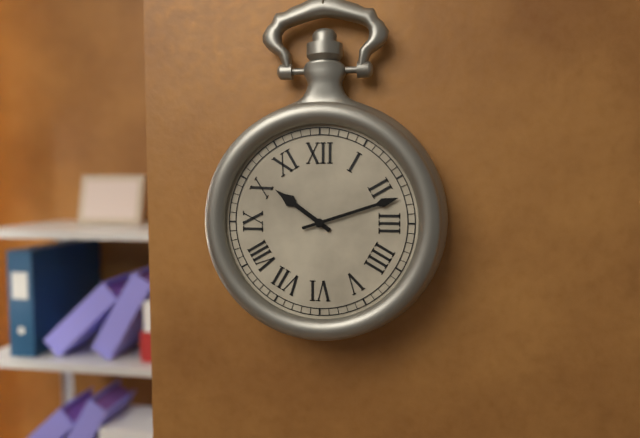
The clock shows 10h12
